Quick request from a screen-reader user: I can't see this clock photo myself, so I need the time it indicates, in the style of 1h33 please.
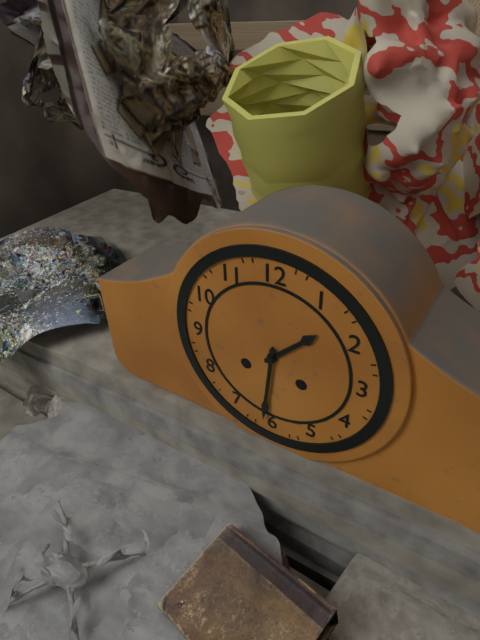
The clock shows 1h31
